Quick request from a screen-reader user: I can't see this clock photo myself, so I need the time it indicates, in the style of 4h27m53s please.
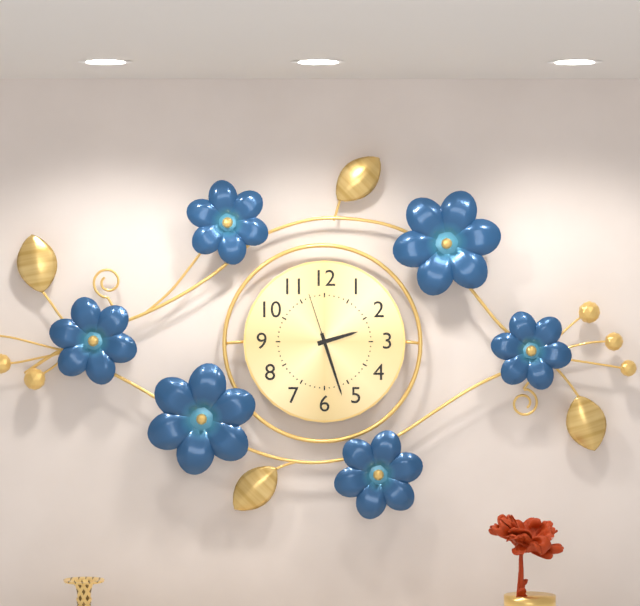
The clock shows 2h27m57s
